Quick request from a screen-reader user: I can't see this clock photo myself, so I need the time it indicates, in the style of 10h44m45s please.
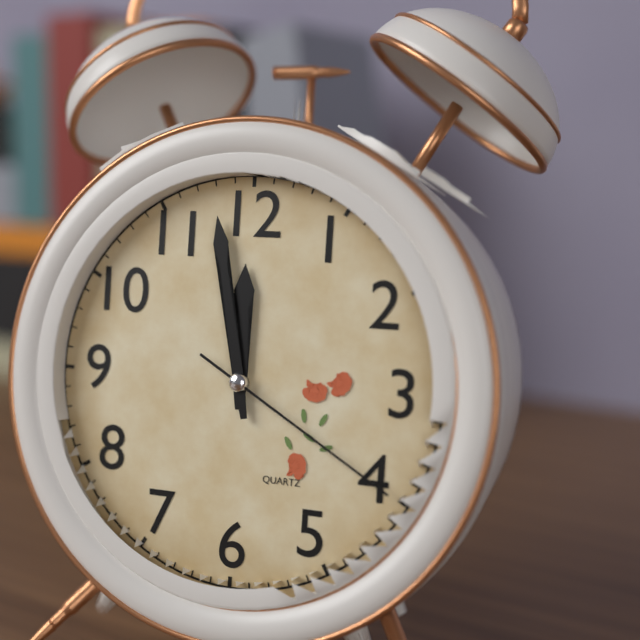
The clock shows 11h58m20s
